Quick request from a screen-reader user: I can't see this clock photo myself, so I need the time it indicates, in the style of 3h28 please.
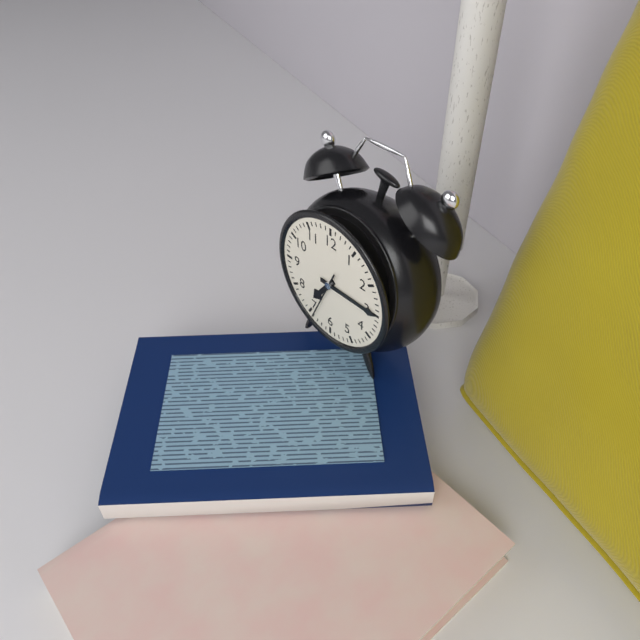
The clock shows 7h15
